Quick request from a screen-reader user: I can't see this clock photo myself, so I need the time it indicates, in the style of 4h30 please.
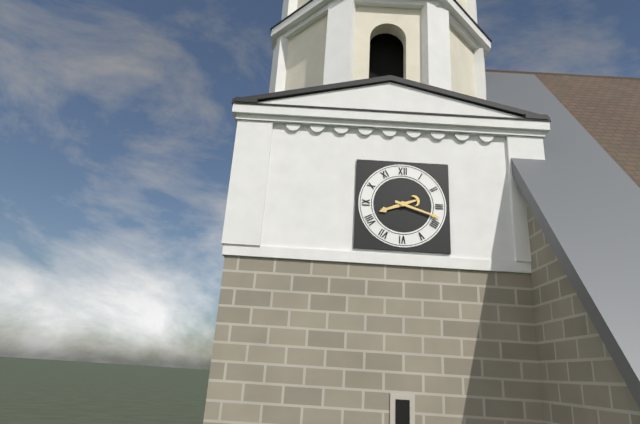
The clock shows 8h18
